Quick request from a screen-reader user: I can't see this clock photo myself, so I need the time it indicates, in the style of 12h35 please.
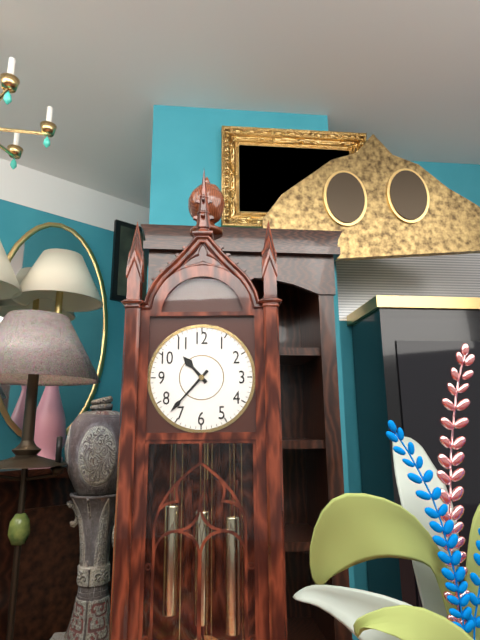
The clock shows 10h37
